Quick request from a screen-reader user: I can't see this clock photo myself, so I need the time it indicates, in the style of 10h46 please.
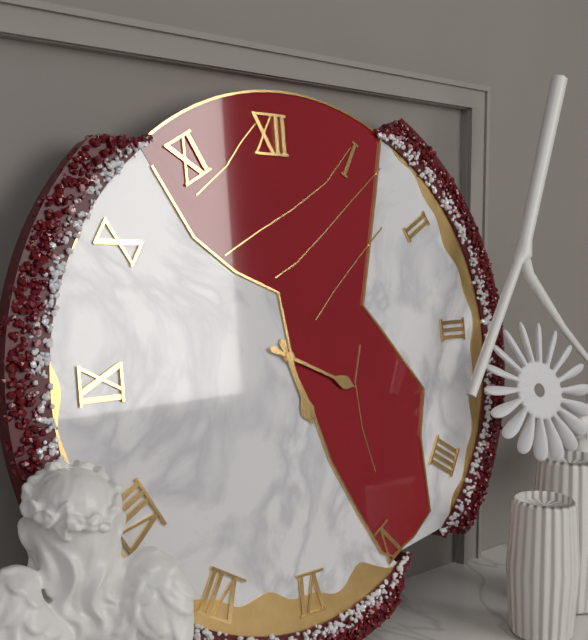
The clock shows 5h19
